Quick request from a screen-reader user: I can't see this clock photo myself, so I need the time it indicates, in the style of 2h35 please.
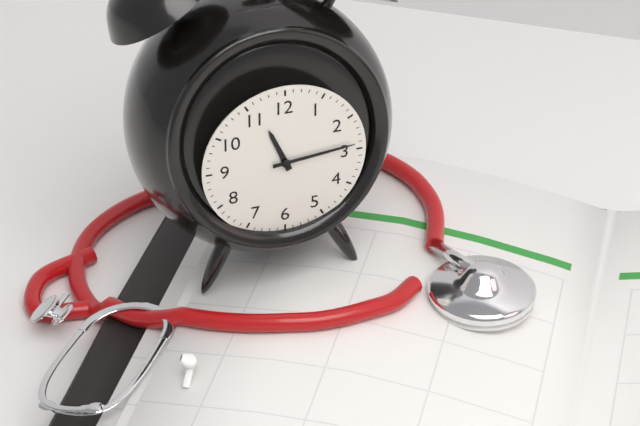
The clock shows 11h14
